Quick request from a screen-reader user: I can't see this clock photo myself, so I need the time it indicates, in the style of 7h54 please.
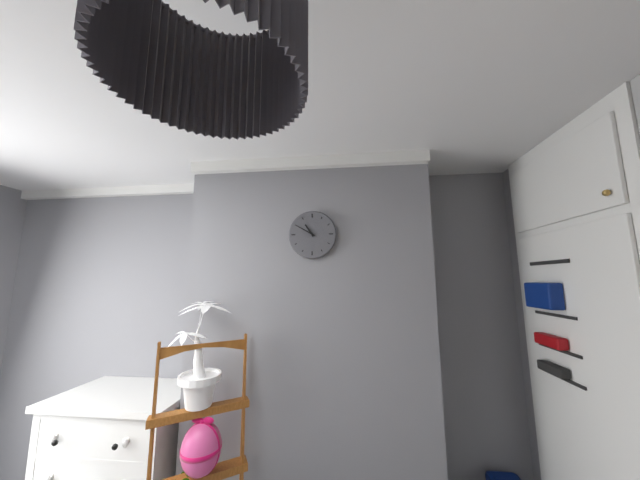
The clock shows 10h50
